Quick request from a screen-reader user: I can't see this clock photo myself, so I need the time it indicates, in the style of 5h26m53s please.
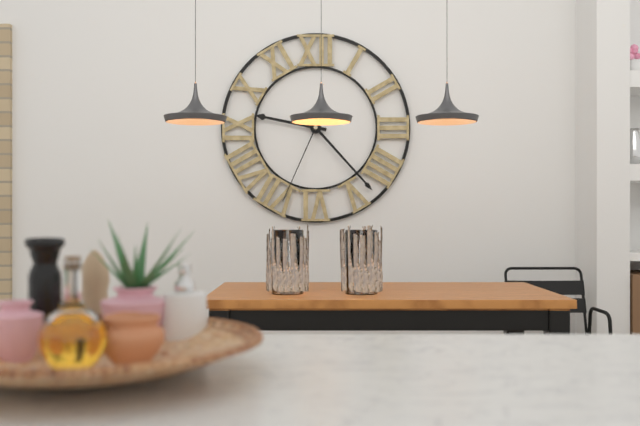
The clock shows 9h23m34s
